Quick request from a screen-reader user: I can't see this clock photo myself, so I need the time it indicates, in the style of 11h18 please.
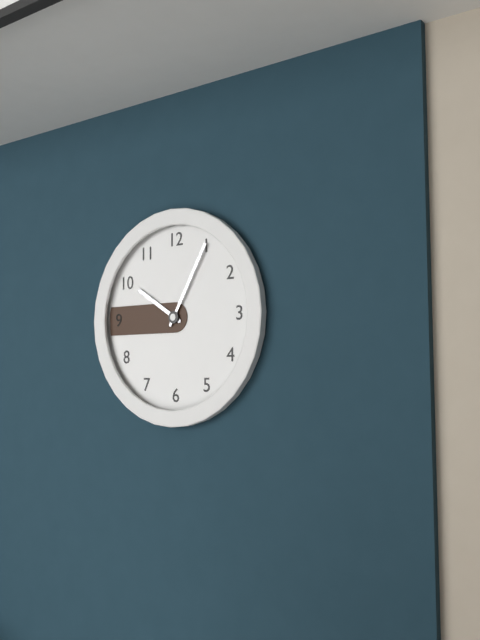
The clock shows 10h05
